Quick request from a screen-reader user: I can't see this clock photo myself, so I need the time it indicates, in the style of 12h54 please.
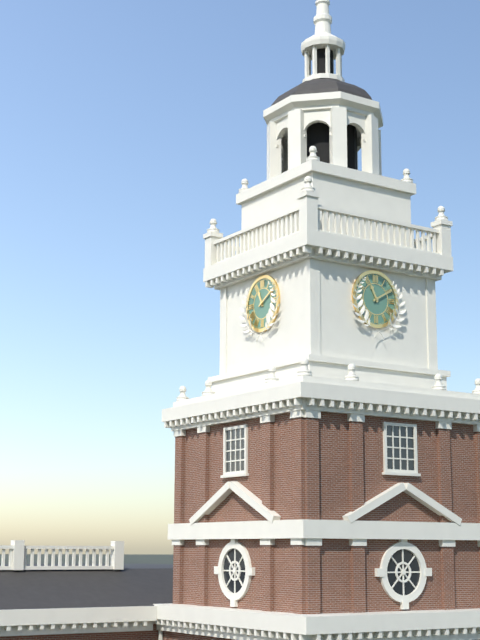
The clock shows 11h10
